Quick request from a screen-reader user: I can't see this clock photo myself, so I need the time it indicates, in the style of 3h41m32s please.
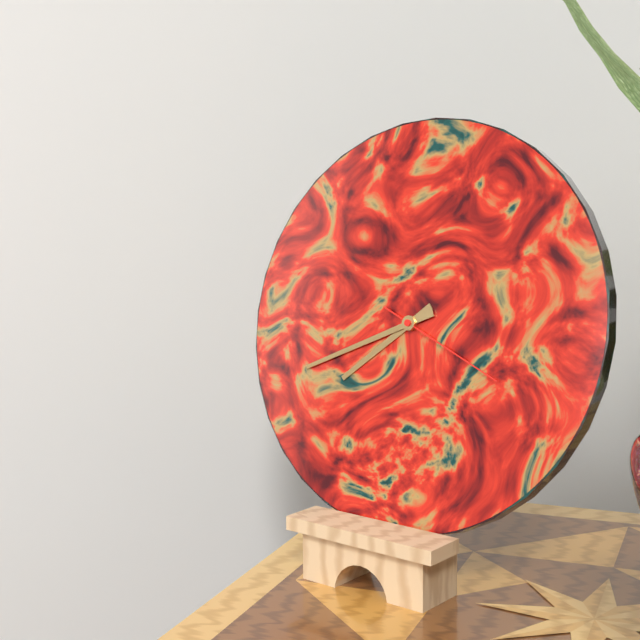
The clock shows 7h41m19s
